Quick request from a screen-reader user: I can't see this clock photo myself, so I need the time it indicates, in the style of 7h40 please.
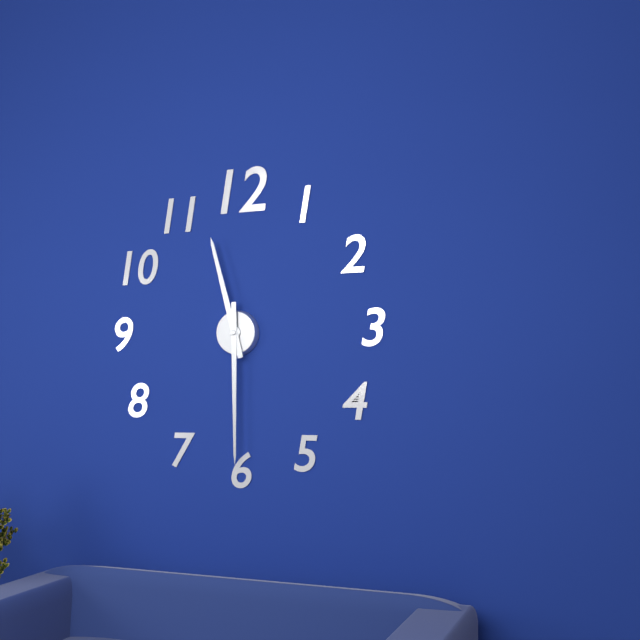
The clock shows 11h30
